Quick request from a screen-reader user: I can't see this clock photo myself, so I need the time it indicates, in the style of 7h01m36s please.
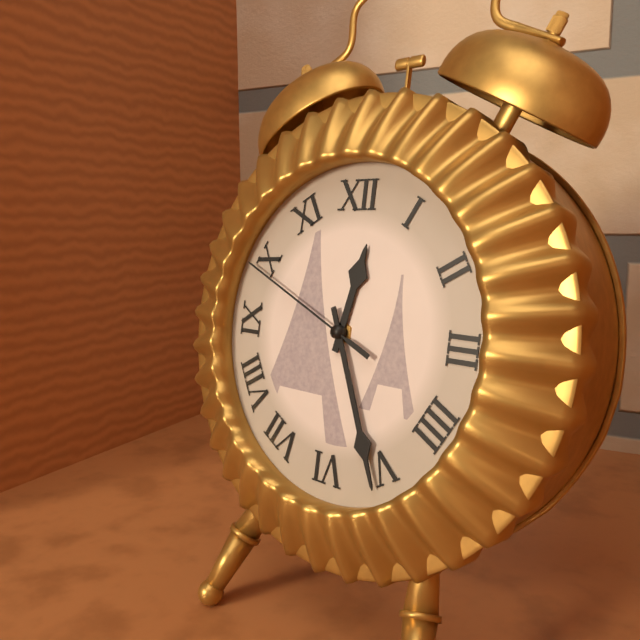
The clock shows 12h26m49s
